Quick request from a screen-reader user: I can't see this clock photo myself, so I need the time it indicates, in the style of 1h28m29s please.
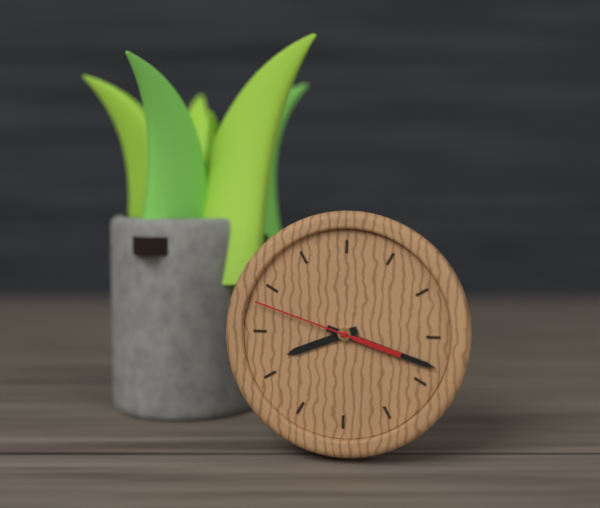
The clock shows 8h18m48s
